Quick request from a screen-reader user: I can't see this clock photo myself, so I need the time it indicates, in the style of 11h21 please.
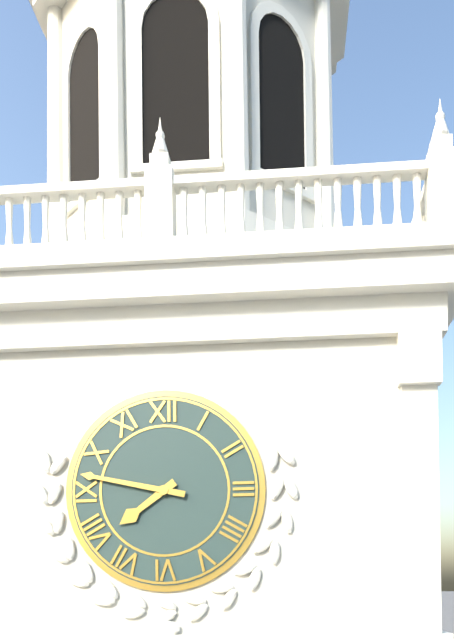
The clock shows 7h47
